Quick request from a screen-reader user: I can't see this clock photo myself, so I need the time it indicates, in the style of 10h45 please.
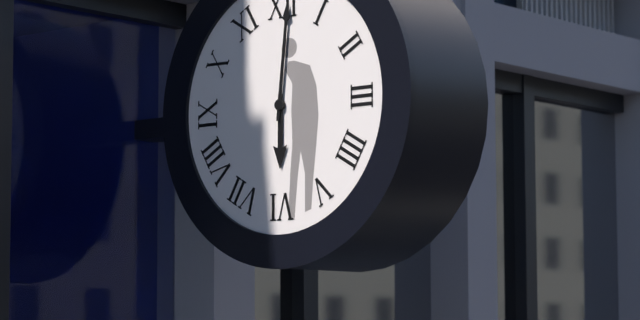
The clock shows 6h01
